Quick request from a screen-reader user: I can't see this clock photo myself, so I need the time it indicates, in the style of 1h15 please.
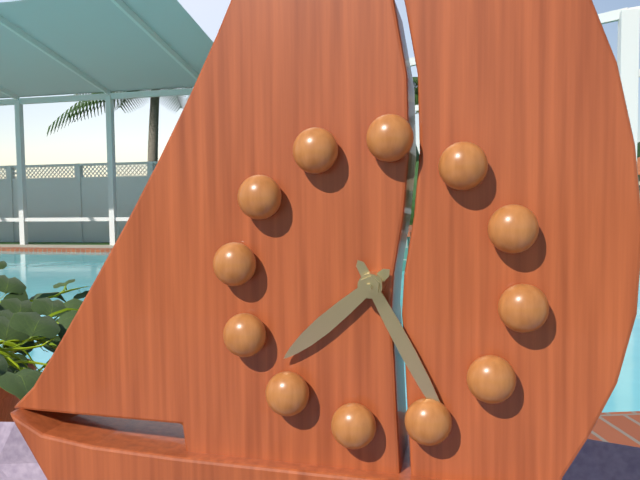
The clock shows 7h24
